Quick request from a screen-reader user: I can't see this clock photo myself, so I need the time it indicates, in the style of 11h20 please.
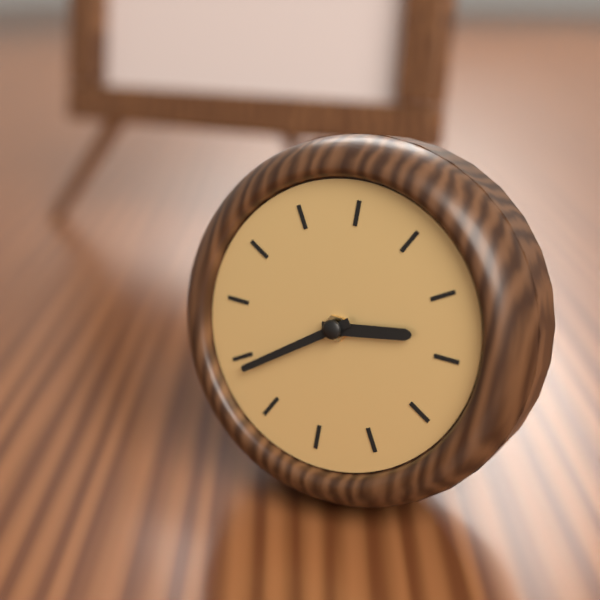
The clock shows 2h39
